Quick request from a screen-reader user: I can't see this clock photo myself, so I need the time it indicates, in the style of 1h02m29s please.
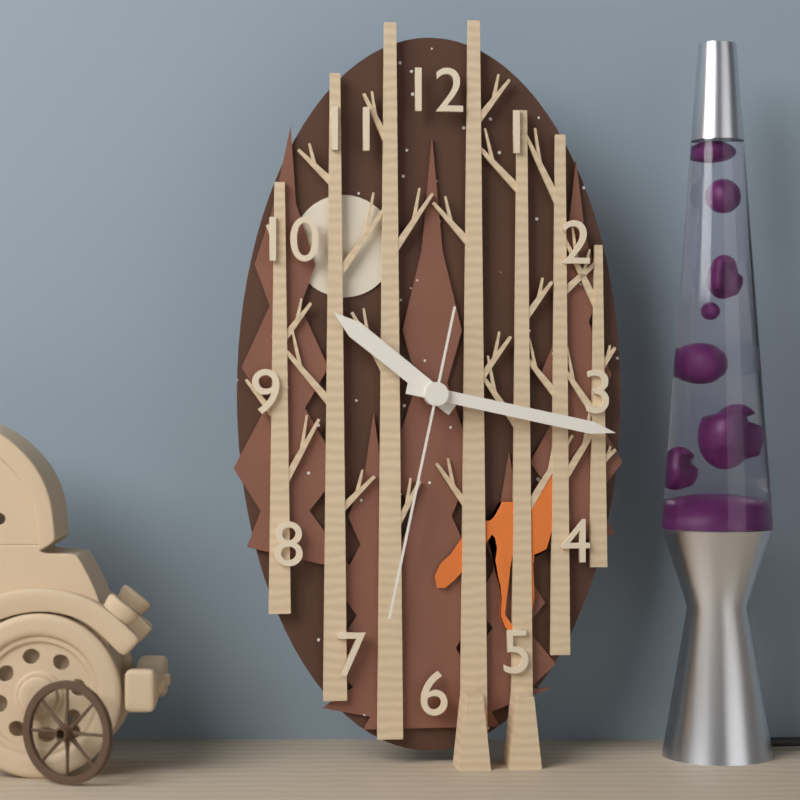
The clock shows 10h17m32s
